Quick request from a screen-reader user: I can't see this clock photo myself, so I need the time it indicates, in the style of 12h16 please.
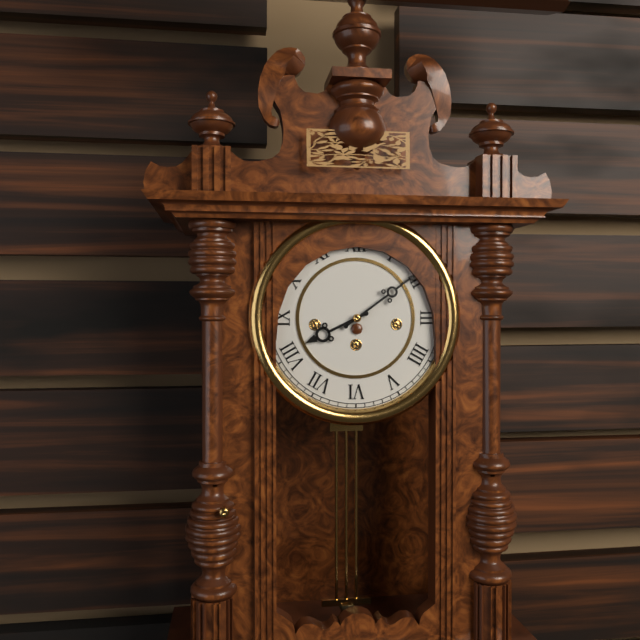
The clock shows 8h09
